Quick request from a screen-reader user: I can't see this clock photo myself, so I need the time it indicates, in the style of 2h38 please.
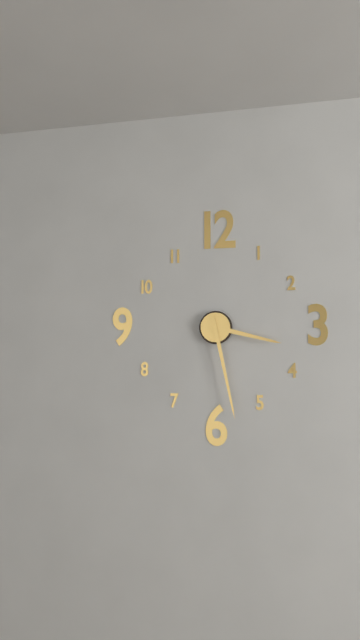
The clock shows 3h28
